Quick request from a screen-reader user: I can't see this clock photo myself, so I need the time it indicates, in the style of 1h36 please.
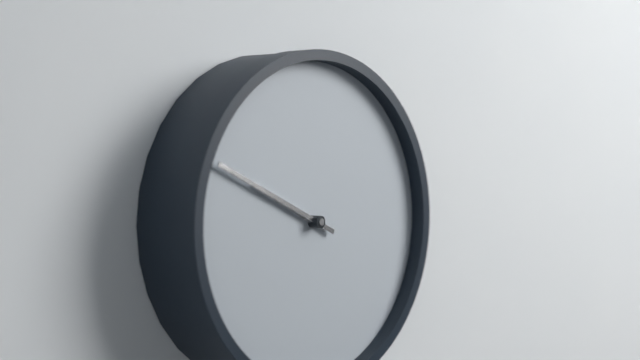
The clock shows 9h49
